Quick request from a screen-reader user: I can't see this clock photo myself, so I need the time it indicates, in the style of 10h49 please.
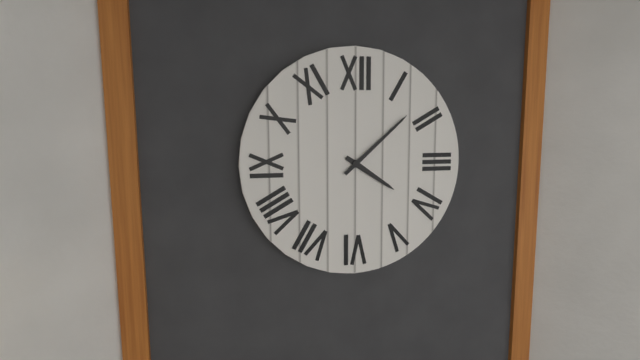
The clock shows 4h08
